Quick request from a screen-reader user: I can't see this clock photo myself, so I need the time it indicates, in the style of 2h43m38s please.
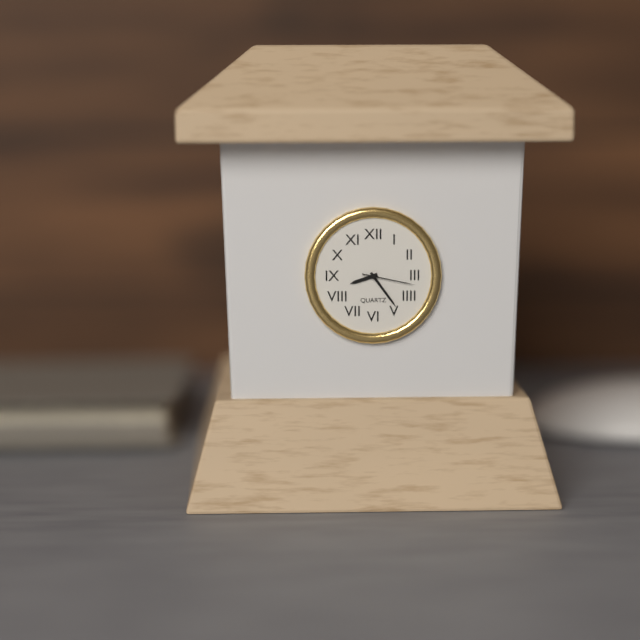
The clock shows 8h24m17s
